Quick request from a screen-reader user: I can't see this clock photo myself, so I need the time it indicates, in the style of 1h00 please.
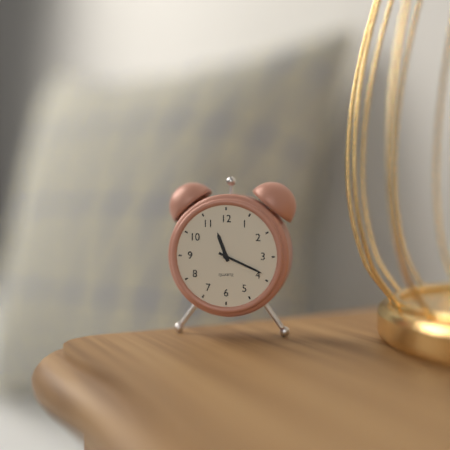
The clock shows 11h19
